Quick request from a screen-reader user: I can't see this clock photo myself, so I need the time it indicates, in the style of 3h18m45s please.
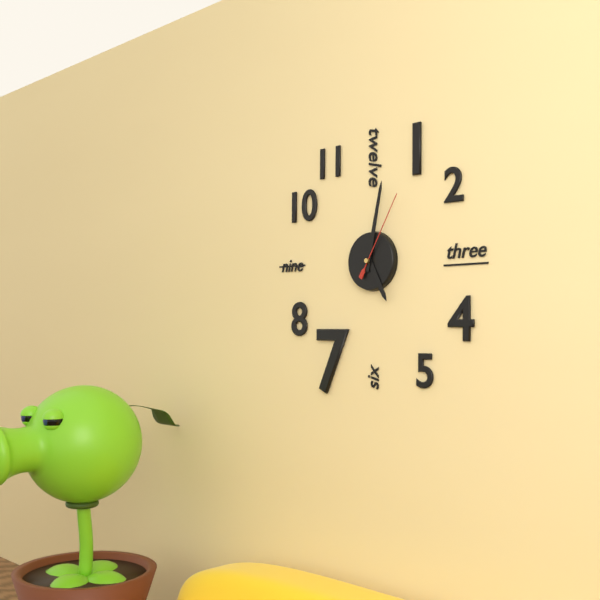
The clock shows 5h02m05s
